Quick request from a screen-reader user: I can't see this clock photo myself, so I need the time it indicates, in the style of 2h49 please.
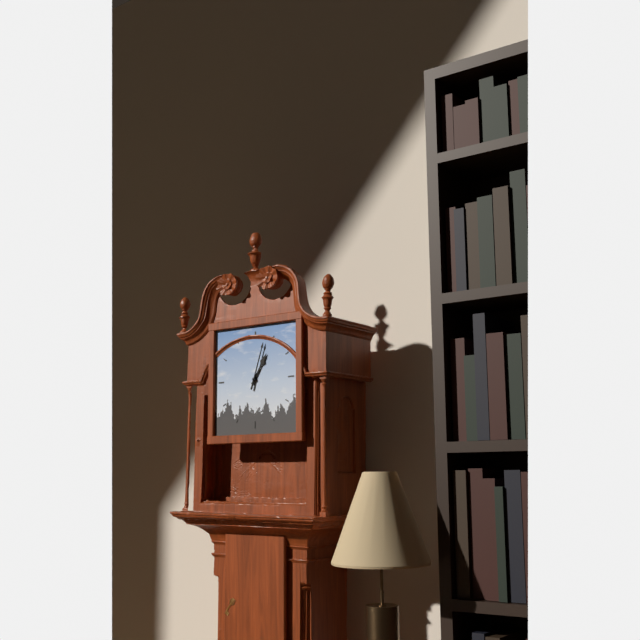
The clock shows 1h03
